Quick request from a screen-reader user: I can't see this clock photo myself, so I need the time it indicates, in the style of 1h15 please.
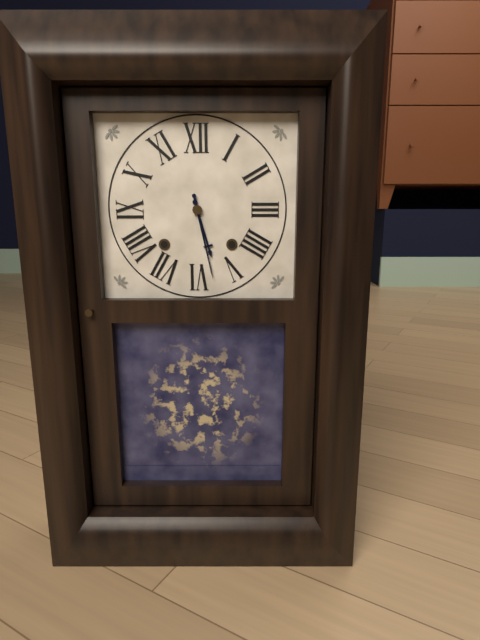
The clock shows 5h28
